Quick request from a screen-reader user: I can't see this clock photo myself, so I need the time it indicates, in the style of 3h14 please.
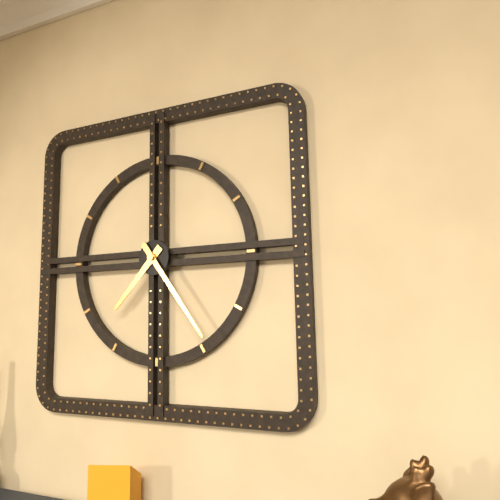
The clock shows 7h24
